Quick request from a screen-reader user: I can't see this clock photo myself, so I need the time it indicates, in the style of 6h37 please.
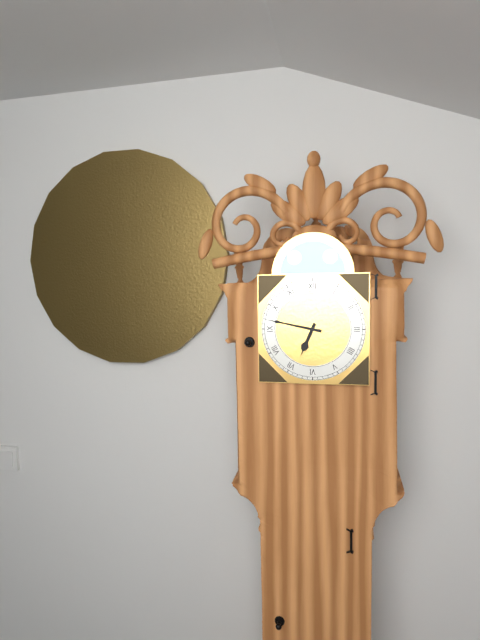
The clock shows 6h47
